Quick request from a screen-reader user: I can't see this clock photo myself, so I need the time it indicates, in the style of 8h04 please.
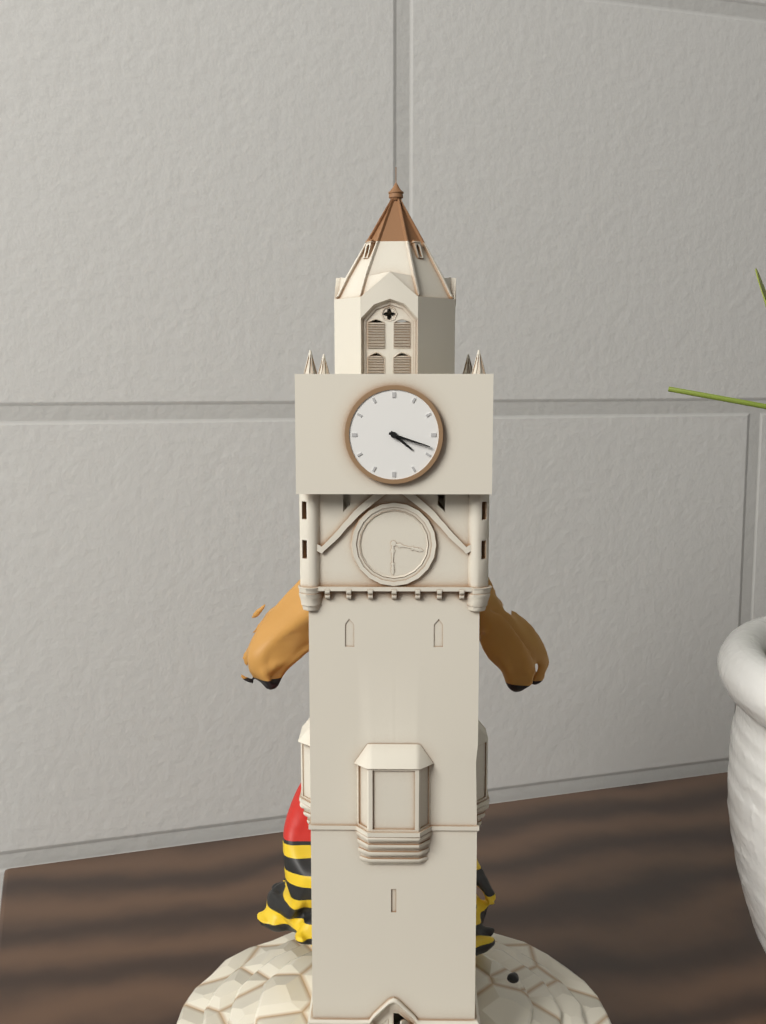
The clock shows 4h18
